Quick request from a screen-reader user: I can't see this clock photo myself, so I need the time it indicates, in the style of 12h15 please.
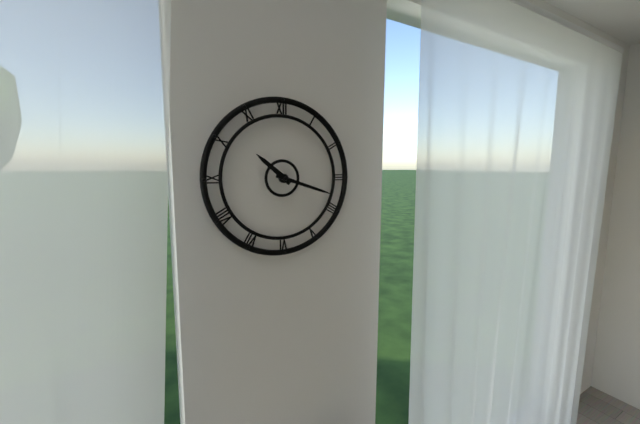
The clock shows 10h18
